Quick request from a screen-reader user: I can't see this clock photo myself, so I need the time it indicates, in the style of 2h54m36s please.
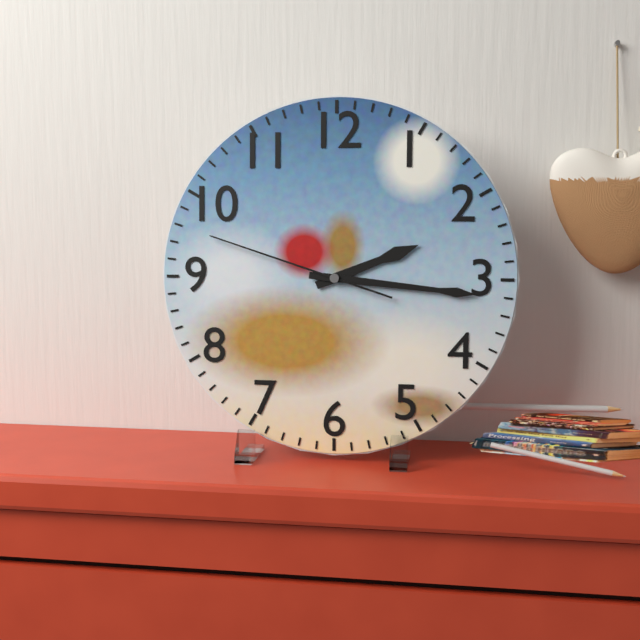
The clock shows 2h16m48s
